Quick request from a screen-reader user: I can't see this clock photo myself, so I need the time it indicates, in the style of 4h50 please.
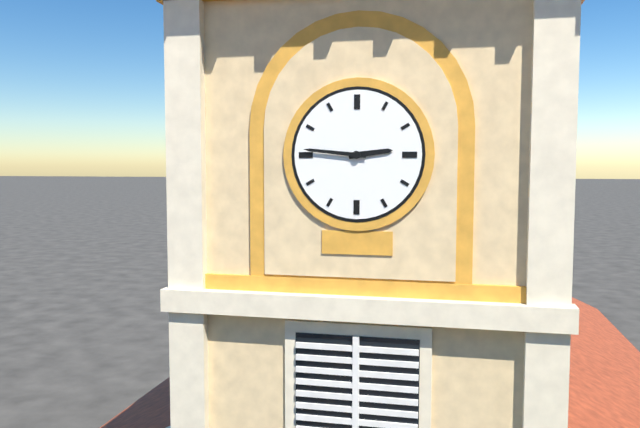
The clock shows 2h46
